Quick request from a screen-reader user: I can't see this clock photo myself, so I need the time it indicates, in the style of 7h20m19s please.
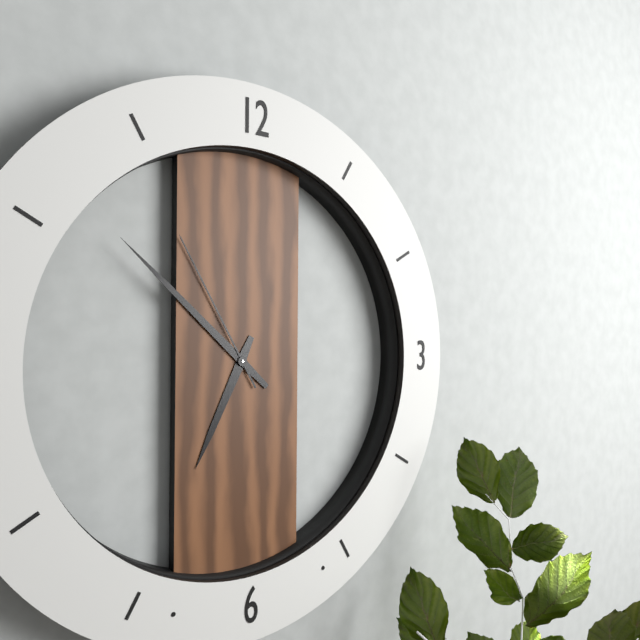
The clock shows 6h52m55s
